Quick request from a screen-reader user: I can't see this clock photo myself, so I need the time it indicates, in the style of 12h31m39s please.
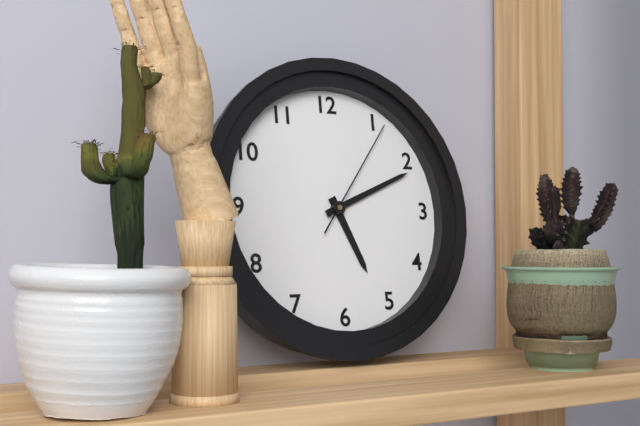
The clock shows 5h11m06s
